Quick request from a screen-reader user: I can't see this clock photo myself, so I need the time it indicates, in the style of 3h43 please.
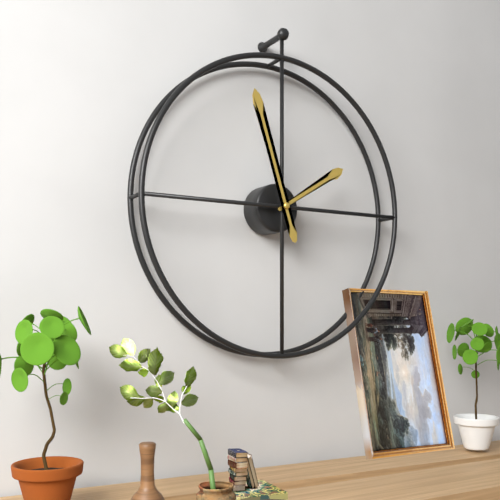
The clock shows 1h57
